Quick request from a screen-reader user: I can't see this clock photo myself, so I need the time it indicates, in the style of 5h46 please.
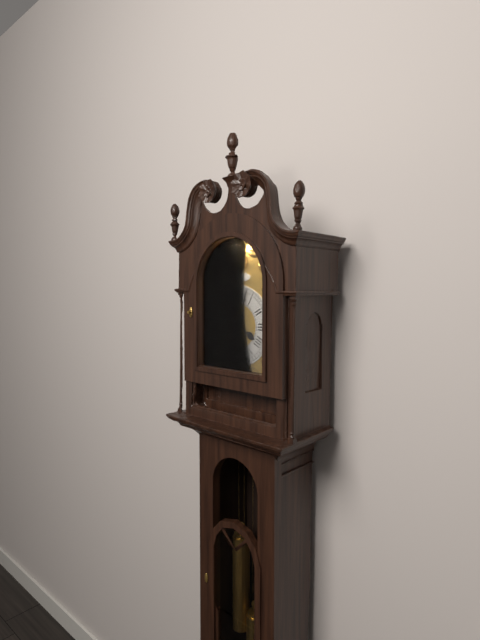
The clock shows 4h03
